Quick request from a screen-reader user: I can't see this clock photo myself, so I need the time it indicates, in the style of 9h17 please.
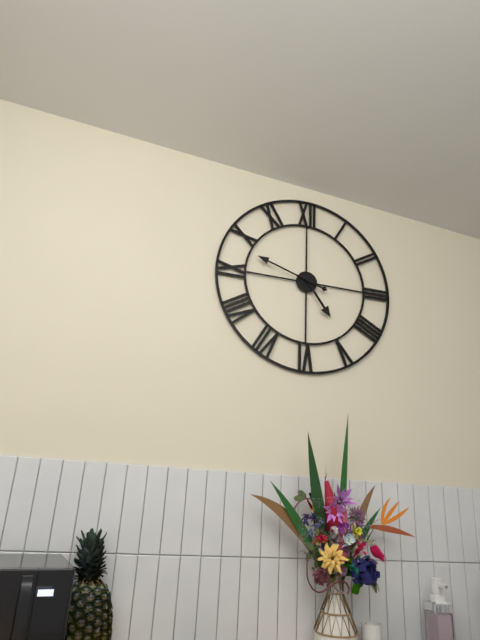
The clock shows 4h48
